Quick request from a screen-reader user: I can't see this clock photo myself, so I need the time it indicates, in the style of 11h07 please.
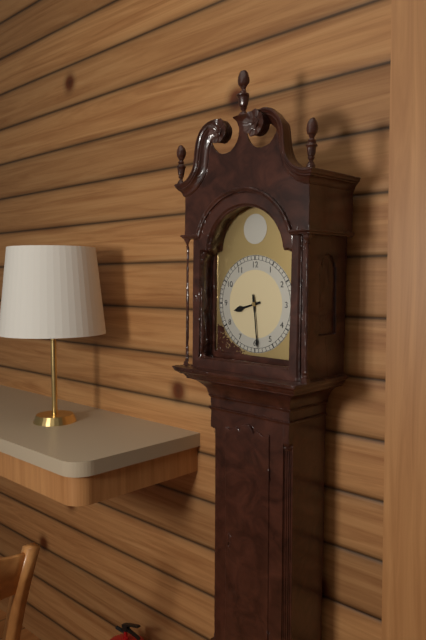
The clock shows 8h29
